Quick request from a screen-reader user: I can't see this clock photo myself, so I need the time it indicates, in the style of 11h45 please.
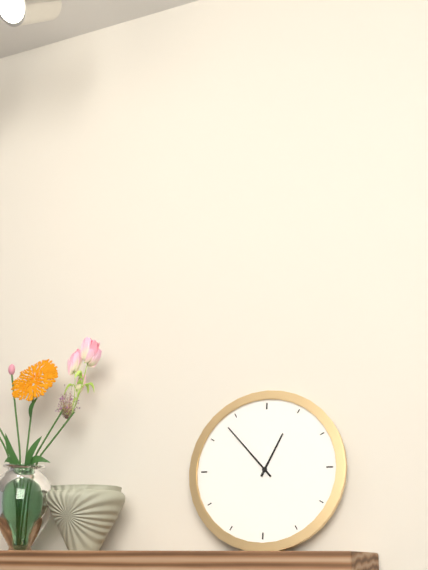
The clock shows 12h53
